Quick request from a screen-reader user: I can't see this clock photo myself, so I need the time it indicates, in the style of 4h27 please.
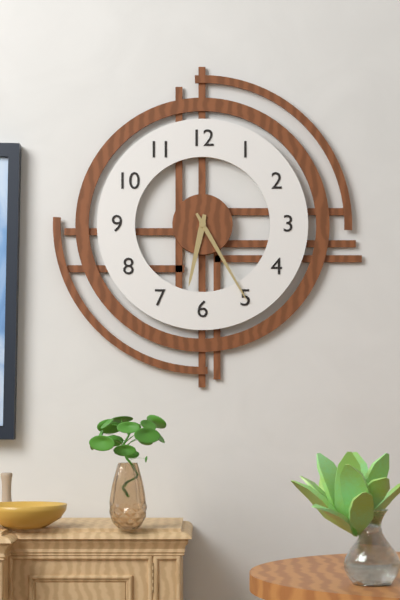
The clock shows 6h25
